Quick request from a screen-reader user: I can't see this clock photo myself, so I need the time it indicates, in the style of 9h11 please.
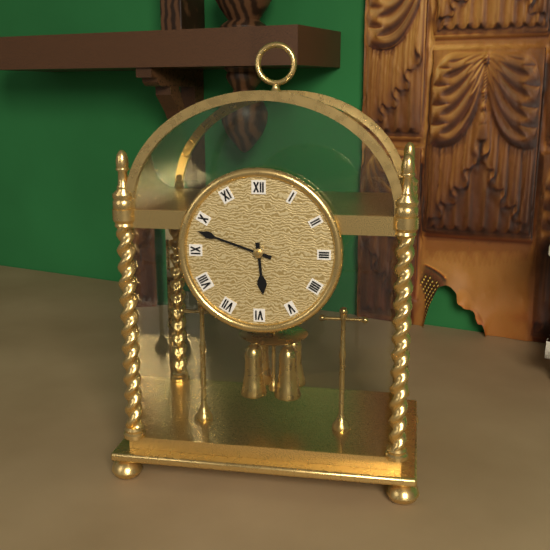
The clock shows 5h48
